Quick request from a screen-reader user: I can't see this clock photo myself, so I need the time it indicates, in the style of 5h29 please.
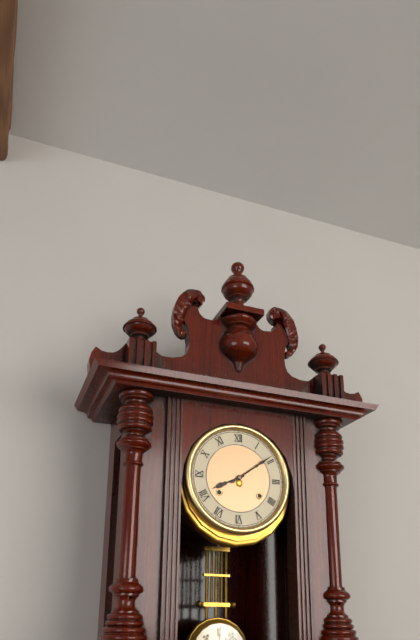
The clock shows 8h09
